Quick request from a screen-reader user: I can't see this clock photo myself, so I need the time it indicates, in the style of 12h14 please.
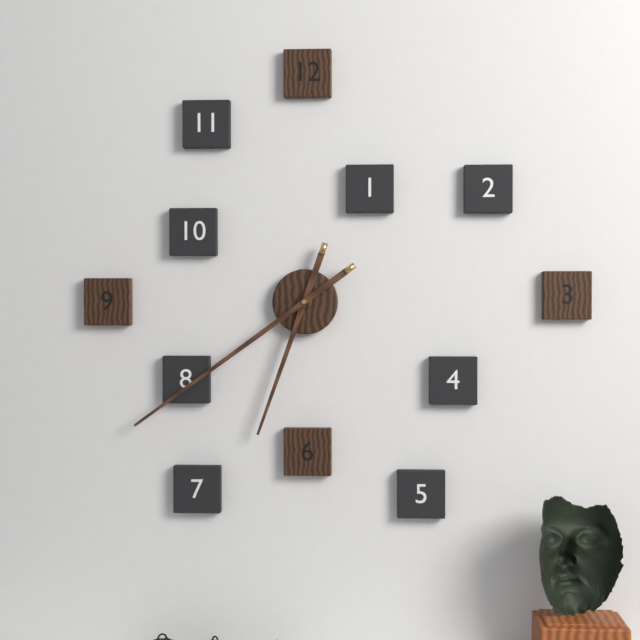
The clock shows 6h39
